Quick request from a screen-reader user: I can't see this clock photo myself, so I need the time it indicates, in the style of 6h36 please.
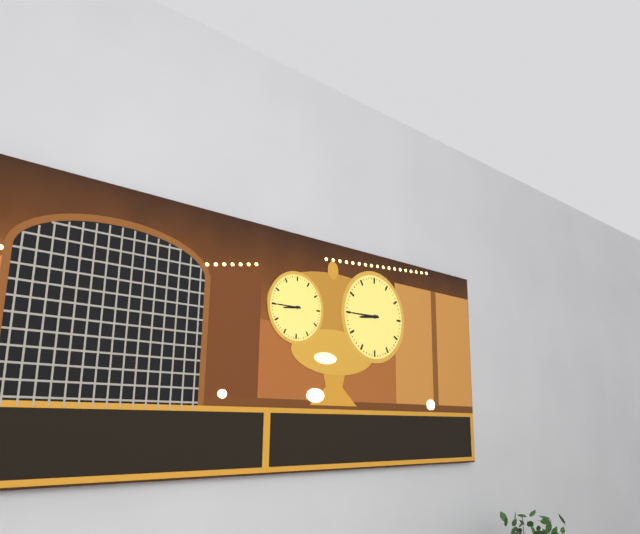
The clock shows 8h45
